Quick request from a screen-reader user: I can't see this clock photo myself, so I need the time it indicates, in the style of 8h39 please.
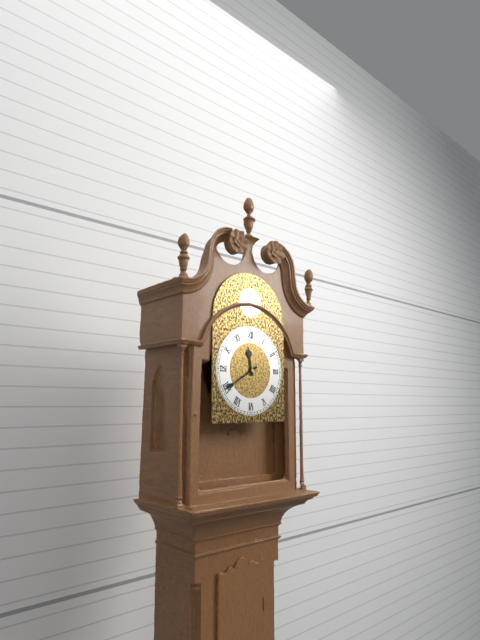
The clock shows 11h40
